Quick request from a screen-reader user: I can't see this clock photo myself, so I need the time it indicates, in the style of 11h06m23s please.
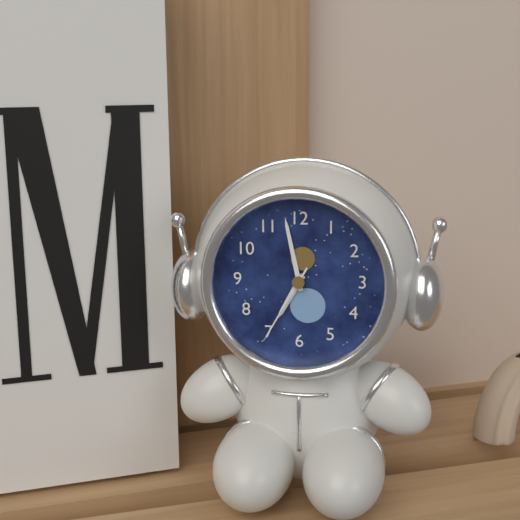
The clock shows 6h58m35s
